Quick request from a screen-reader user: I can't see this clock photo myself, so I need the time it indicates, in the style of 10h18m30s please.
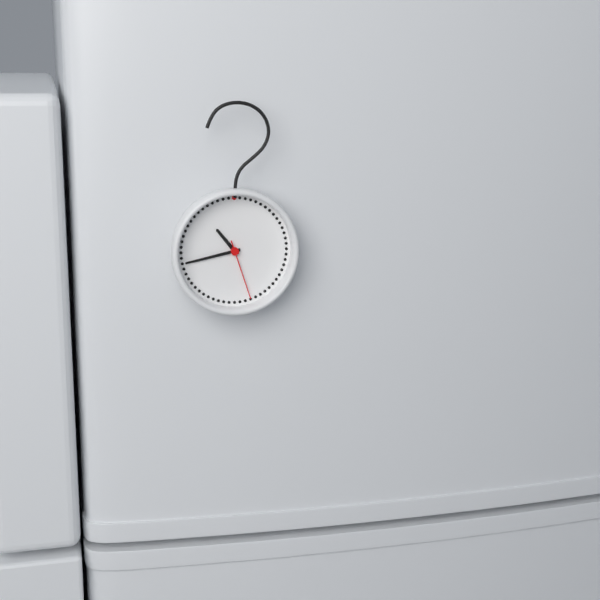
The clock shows 10h43m27s
